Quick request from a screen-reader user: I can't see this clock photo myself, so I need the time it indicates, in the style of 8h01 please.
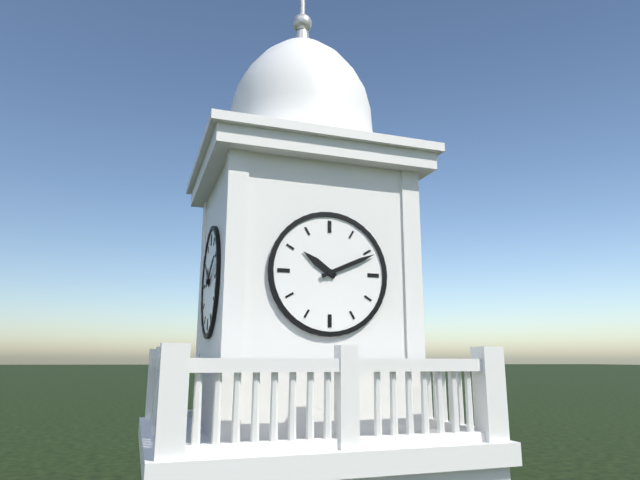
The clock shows 10h11
